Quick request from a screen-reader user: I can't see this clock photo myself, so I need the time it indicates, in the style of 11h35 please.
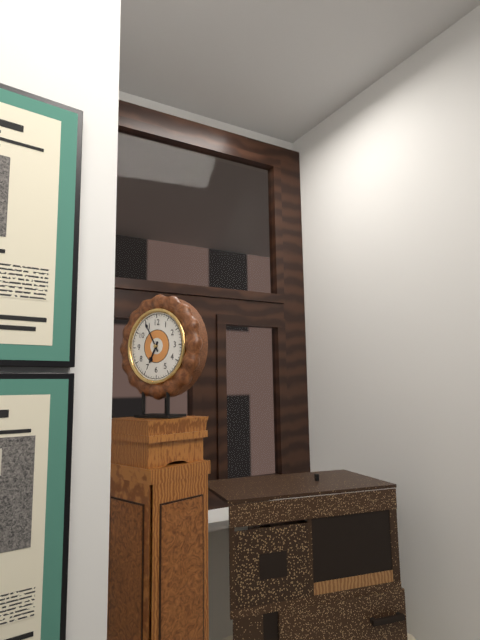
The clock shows 6h55
